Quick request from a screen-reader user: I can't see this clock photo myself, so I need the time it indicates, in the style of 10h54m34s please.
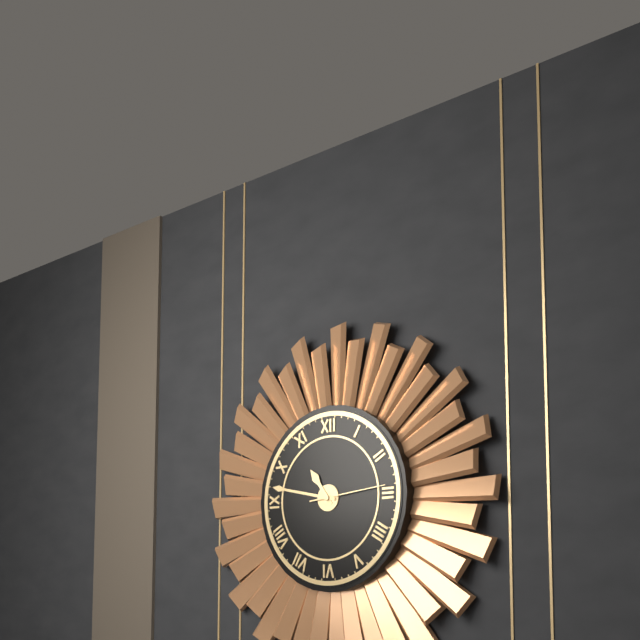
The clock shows 10h47m14s
